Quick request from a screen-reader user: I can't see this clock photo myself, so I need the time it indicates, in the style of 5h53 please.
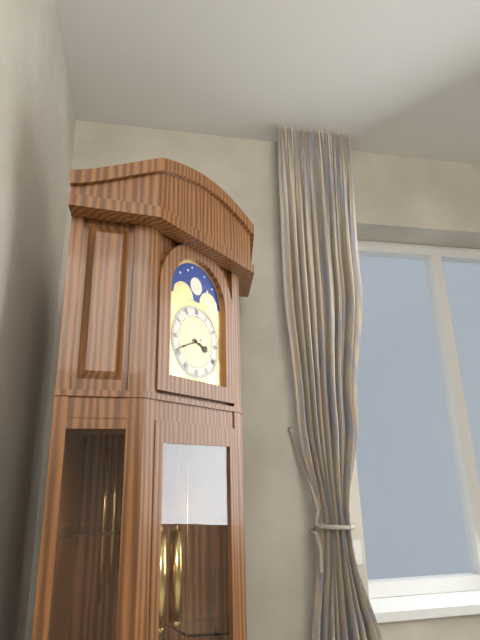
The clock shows 3h41
